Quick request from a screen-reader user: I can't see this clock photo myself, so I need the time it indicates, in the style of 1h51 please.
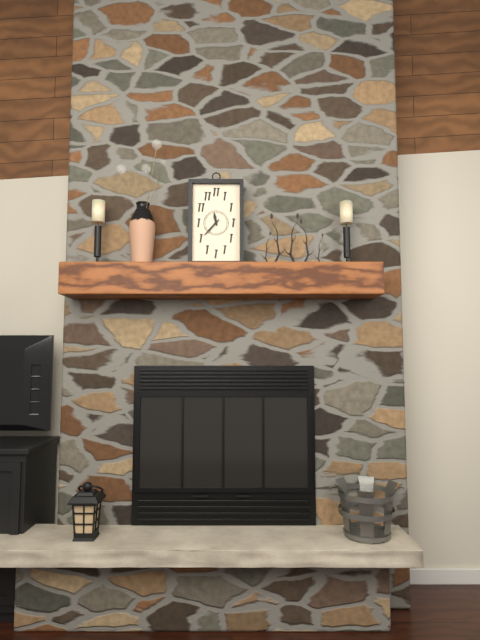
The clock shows 11h37
